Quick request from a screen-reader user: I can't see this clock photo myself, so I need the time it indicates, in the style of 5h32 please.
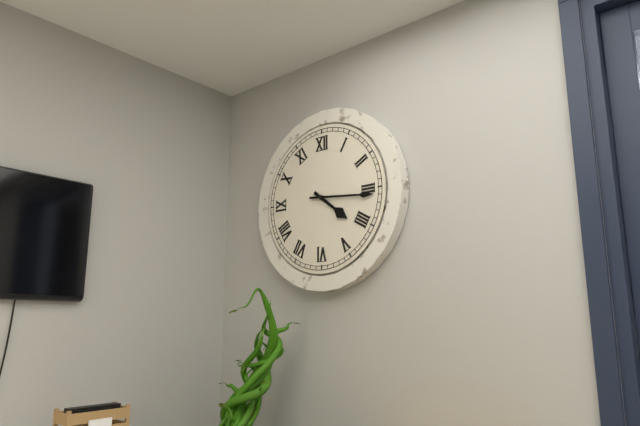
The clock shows 4h16
